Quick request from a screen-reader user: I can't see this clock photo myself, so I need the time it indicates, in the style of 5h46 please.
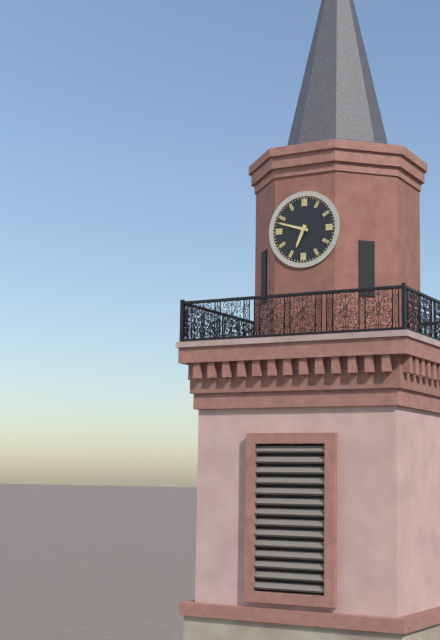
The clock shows 6h48
